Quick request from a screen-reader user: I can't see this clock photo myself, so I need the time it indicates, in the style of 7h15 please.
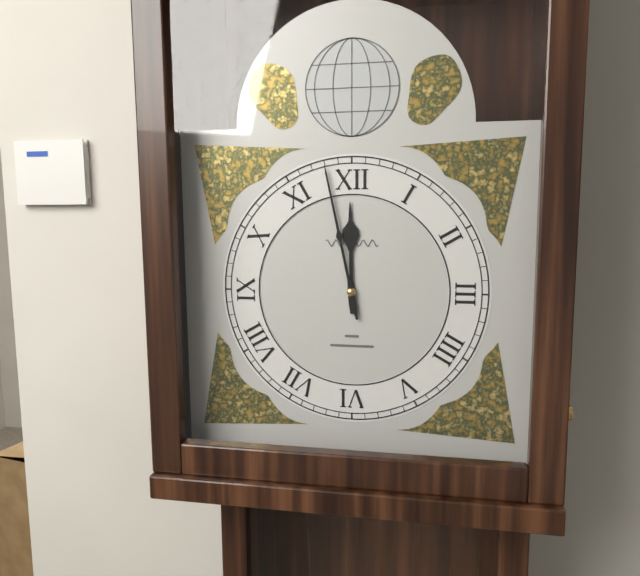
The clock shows 11h58
